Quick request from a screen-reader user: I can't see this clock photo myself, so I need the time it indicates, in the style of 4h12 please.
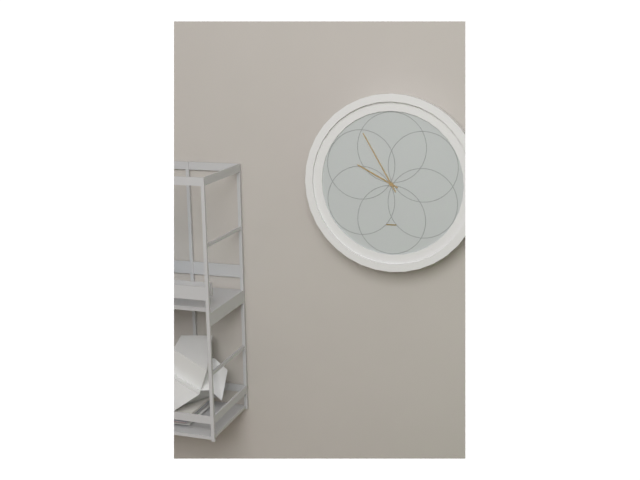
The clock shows 9h55
